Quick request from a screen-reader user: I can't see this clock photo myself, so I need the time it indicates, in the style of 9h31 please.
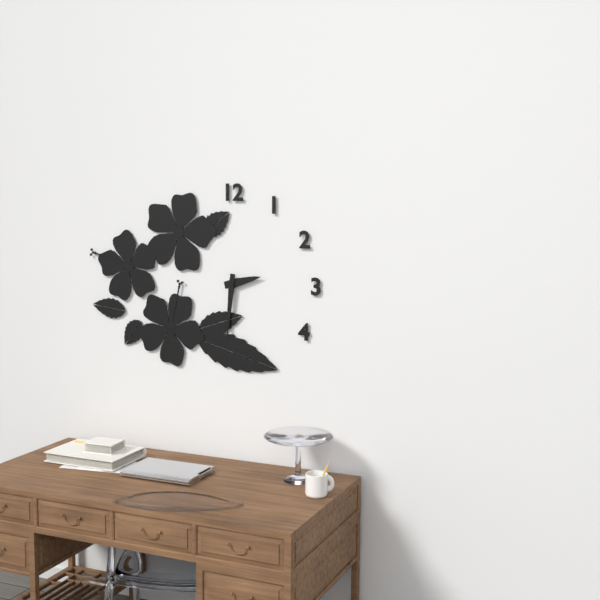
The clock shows 2h31
